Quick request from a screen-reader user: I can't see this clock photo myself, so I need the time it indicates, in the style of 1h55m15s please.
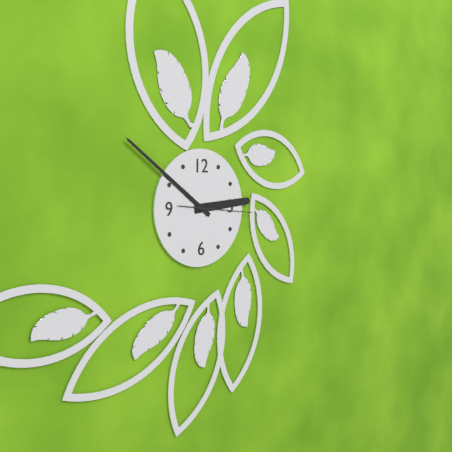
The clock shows 2h51m16s
